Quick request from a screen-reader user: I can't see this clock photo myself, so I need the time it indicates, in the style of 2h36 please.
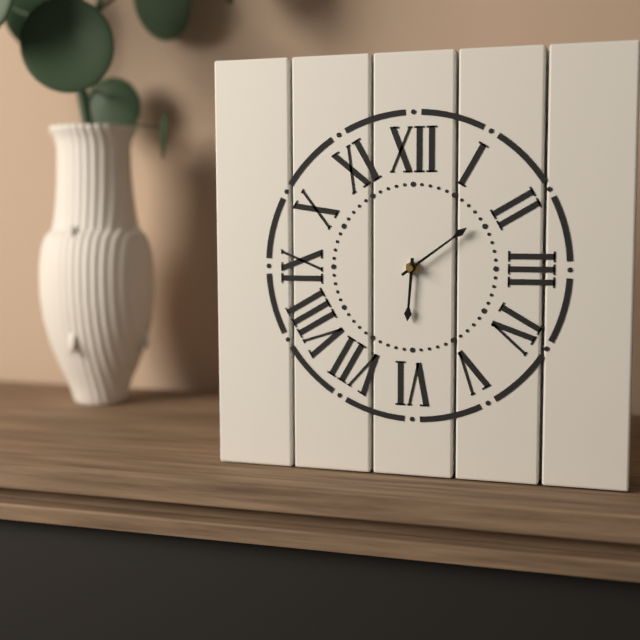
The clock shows 6h09
